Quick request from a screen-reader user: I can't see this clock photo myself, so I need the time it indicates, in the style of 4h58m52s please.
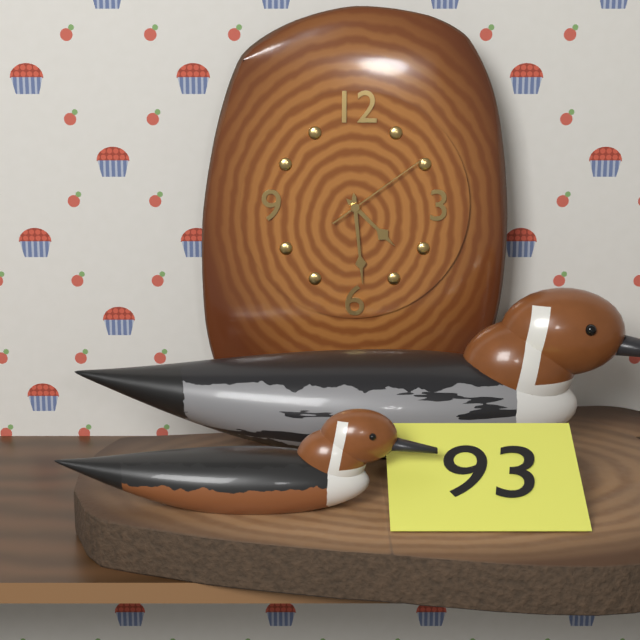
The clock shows 4h29m09s
